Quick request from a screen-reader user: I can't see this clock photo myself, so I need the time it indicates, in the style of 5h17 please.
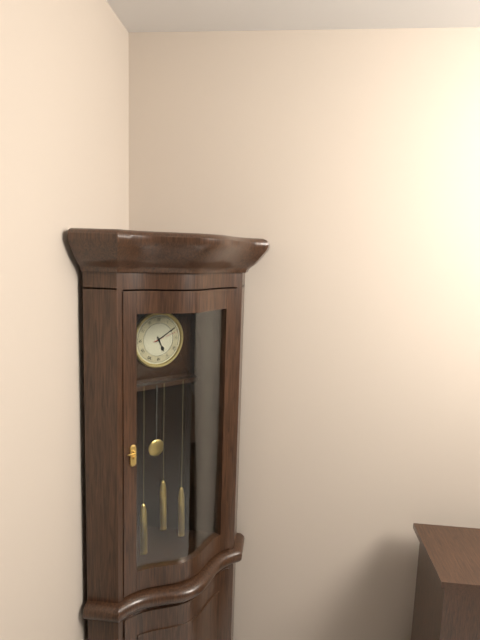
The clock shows 5h10
